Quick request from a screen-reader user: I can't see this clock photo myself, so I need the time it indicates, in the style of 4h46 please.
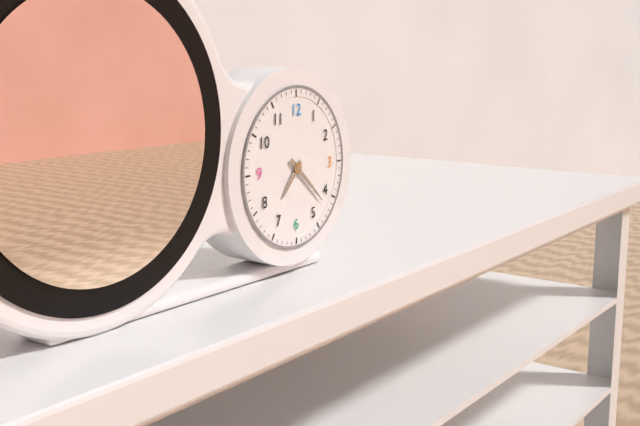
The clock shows 7h22
